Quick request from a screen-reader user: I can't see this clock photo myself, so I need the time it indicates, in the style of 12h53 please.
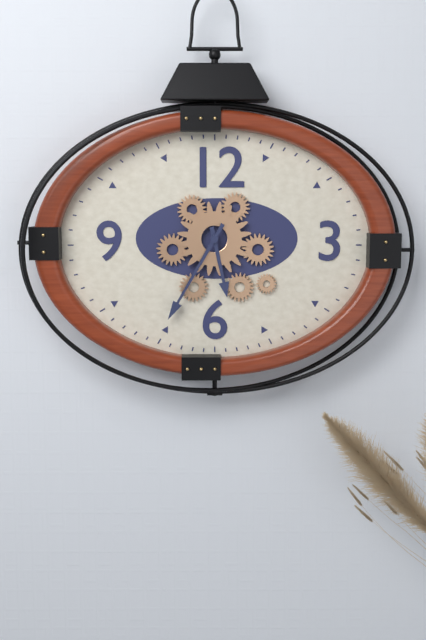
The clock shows 5h35
